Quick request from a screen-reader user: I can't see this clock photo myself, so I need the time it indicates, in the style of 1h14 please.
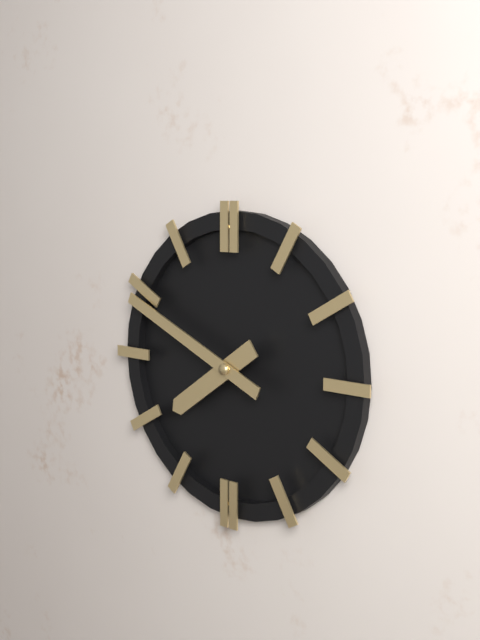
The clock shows 7h49
